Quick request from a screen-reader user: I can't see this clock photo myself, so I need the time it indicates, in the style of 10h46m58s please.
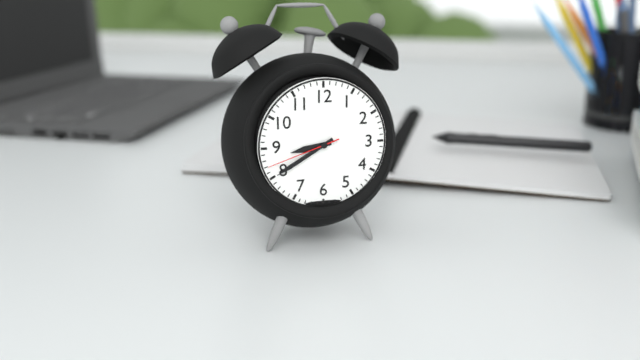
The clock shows 8h40m42s
